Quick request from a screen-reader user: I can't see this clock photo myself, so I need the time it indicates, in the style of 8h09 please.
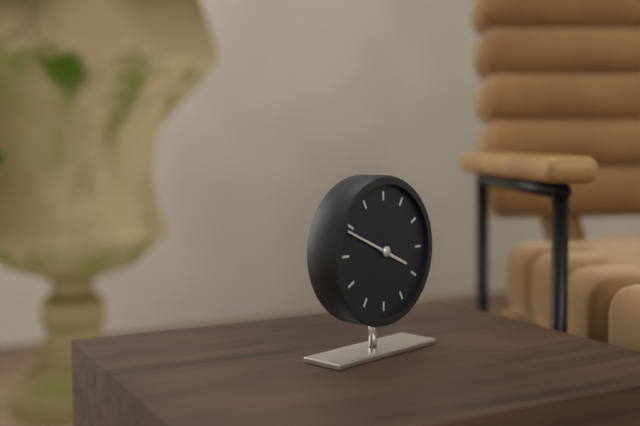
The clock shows 3h49
